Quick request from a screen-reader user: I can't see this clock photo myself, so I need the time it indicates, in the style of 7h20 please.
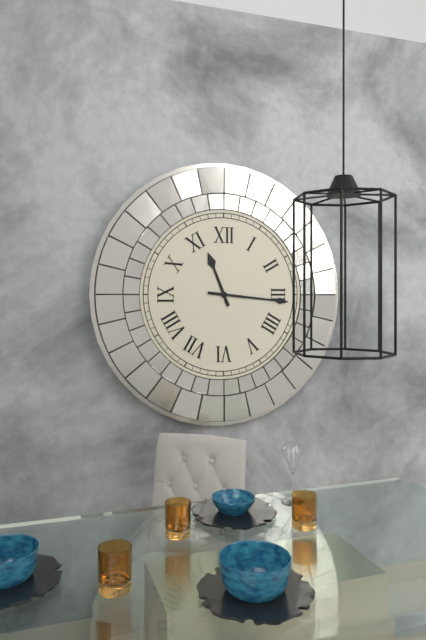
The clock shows 11h16
